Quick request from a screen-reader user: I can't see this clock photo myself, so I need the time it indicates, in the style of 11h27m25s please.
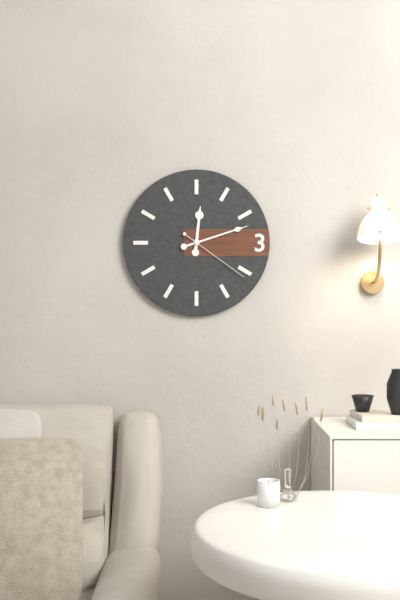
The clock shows 12h12m21s
